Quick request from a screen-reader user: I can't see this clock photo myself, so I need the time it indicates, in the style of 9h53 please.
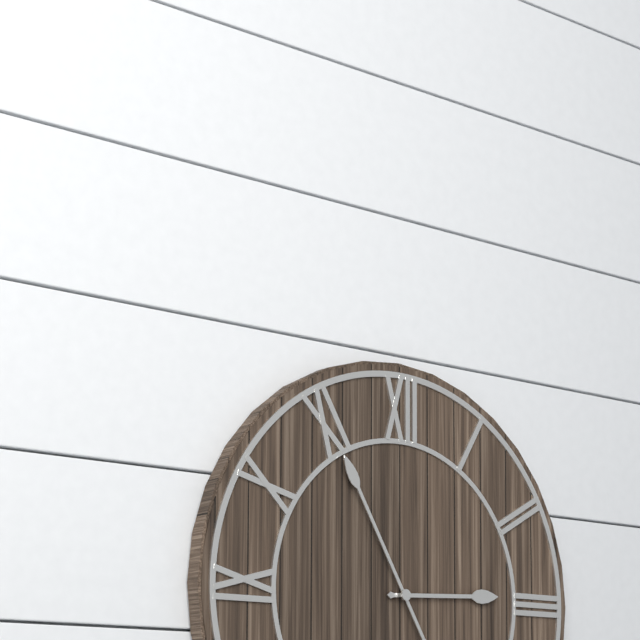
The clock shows 2h55
